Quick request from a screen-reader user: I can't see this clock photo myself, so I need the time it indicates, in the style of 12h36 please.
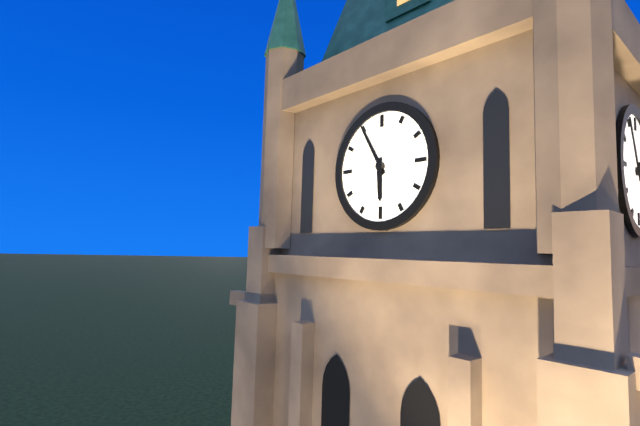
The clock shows 5h55
